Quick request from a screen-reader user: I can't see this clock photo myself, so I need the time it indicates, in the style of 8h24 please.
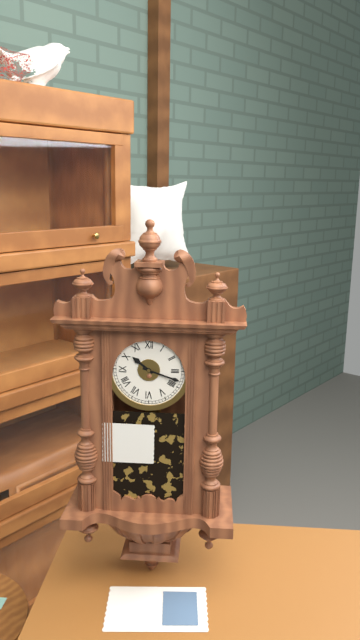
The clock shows 10h18
